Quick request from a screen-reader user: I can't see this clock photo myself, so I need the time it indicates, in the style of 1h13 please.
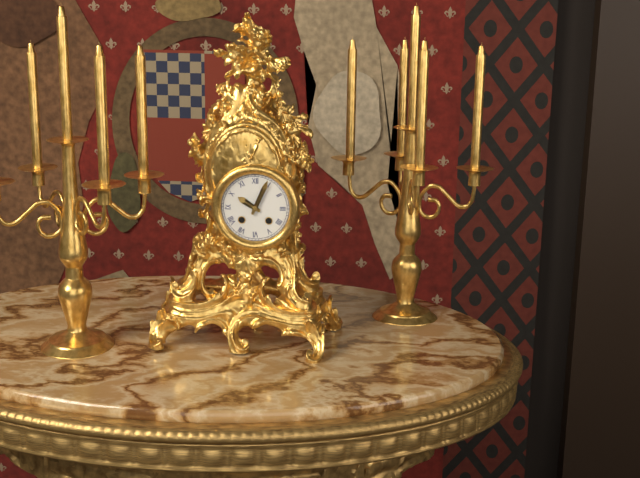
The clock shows 10h04
